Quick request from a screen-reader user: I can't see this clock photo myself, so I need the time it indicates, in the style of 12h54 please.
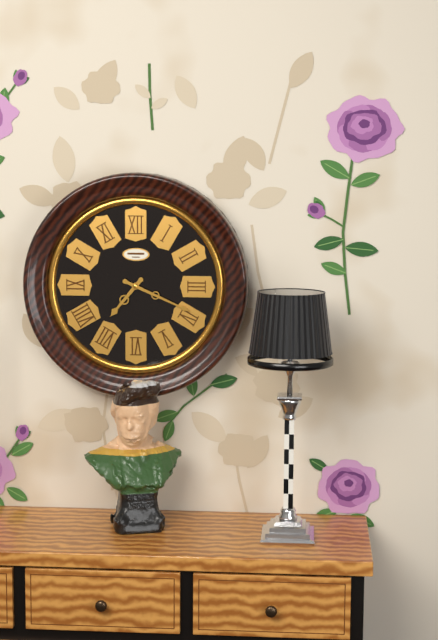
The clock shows 7h19
